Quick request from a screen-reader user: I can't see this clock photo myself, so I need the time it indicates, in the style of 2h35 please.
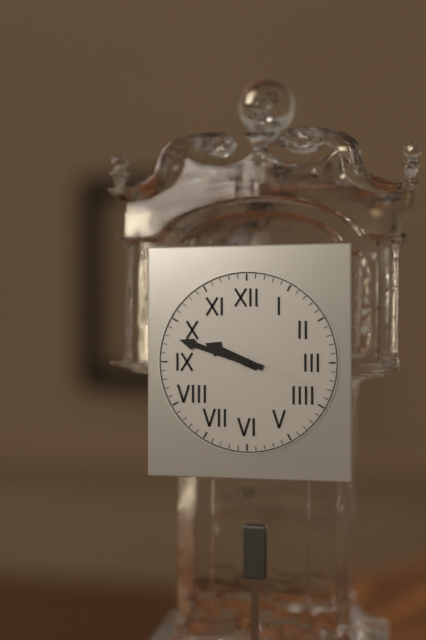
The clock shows 9h48
